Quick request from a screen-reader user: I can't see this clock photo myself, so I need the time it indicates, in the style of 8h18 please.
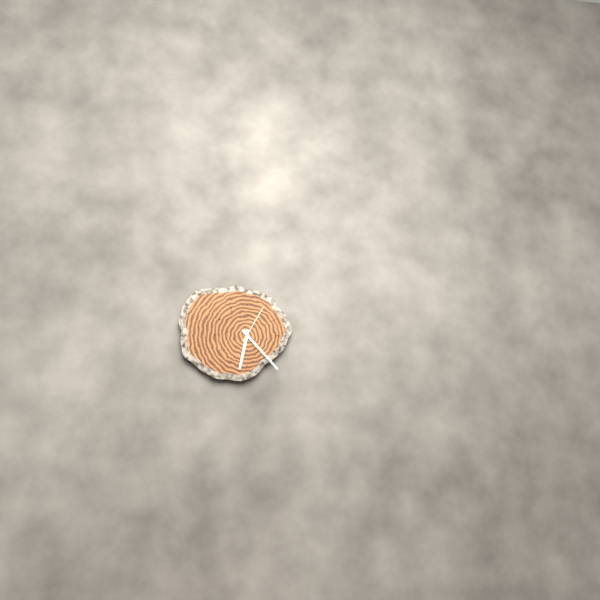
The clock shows 6h23
